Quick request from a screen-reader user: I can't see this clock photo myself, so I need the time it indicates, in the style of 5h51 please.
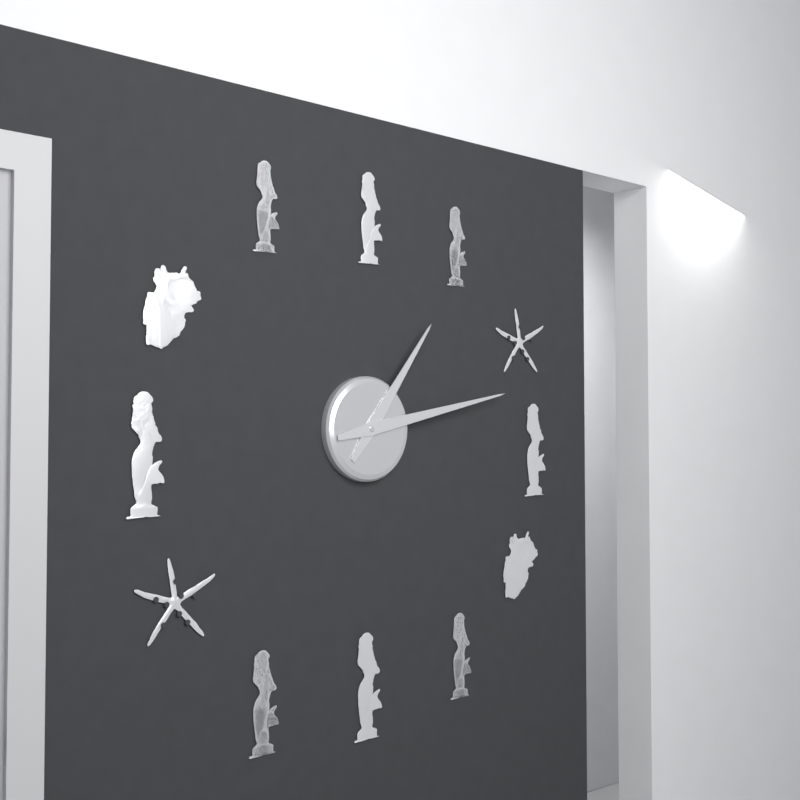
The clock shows 1h13
